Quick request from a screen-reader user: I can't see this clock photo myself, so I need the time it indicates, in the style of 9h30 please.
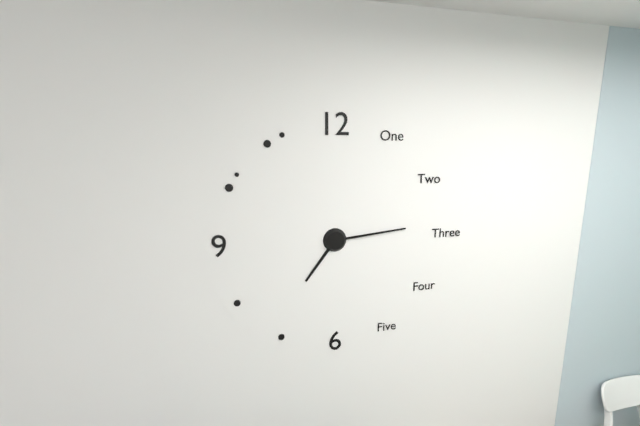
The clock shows 7h14
